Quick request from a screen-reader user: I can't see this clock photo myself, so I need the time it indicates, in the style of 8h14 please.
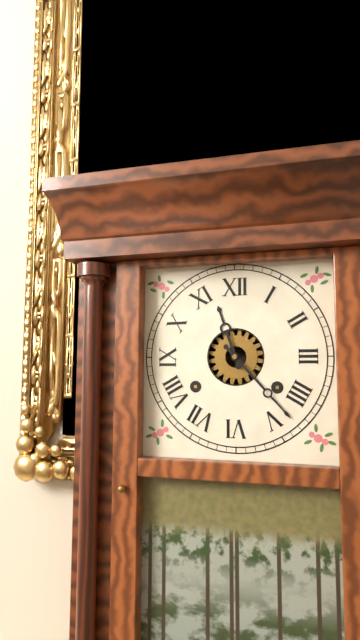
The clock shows 11h23
